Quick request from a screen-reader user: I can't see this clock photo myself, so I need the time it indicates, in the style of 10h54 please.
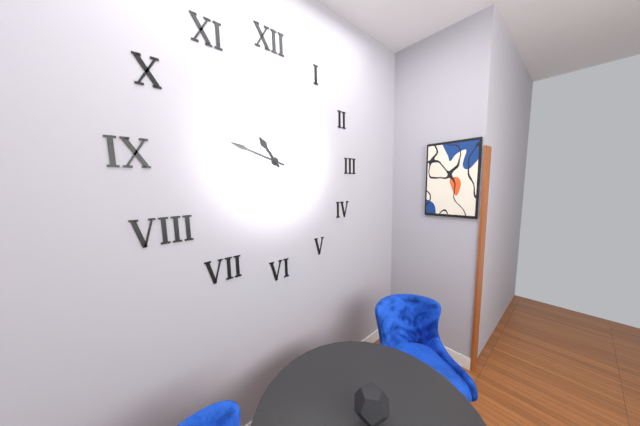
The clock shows 10h48
